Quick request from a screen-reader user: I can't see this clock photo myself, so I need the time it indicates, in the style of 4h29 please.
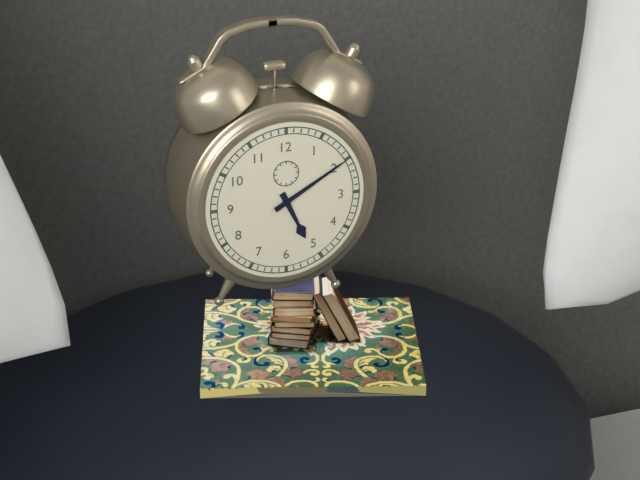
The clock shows 5h10
